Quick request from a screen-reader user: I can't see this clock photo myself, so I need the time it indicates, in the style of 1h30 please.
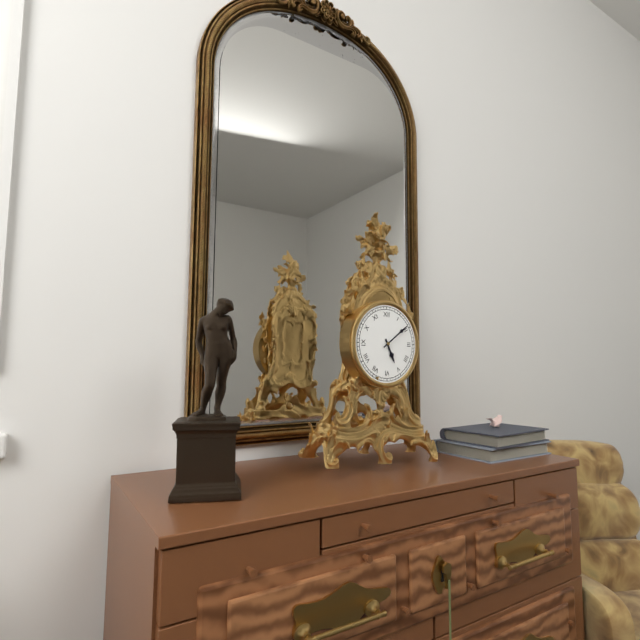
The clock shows 5h09
